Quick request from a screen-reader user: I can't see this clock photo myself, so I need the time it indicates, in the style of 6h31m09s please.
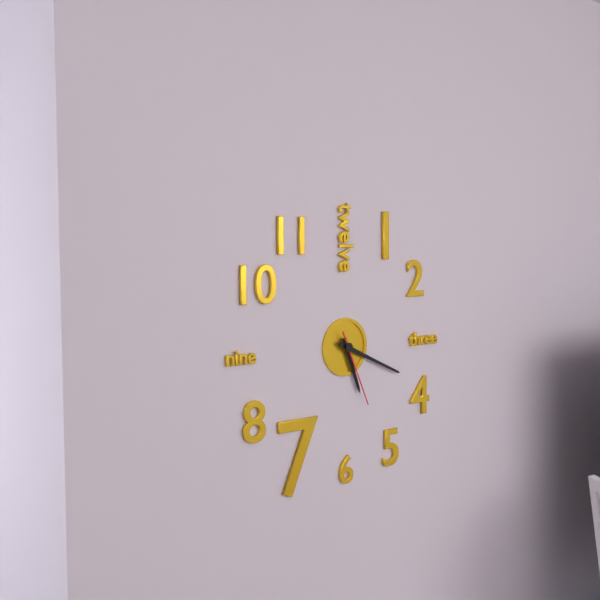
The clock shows 5h19m26s
